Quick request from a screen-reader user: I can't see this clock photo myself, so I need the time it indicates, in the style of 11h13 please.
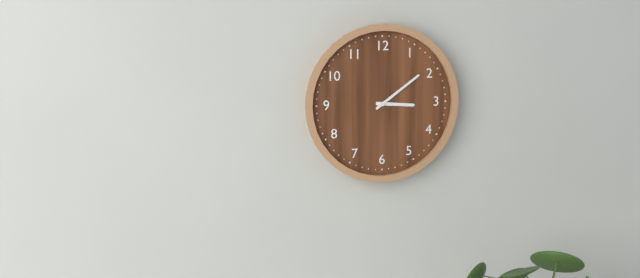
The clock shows 3h09
